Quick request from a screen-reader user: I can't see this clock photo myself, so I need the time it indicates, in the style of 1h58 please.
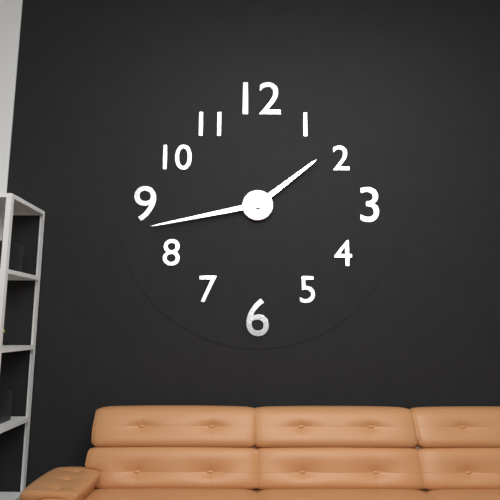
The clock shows 1h43
